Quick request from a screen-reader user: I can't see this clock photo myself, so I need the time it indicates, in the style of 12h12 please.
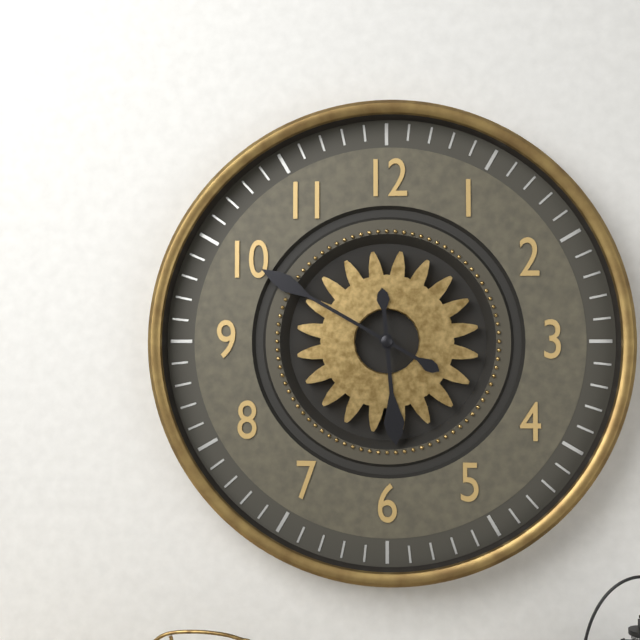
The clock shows 5h50
